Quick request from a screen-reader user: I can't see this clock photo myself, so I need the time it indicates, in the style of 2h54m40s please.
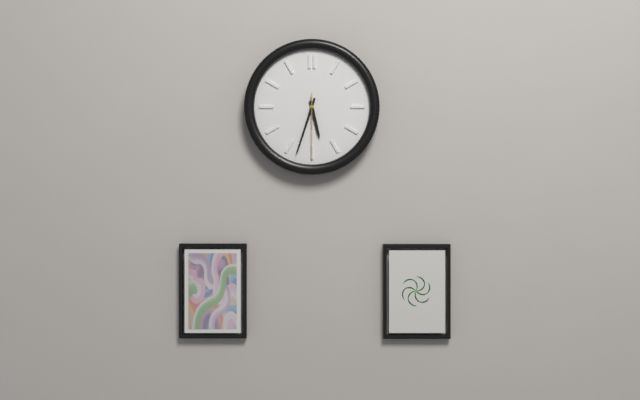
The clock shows 5h33m30s
